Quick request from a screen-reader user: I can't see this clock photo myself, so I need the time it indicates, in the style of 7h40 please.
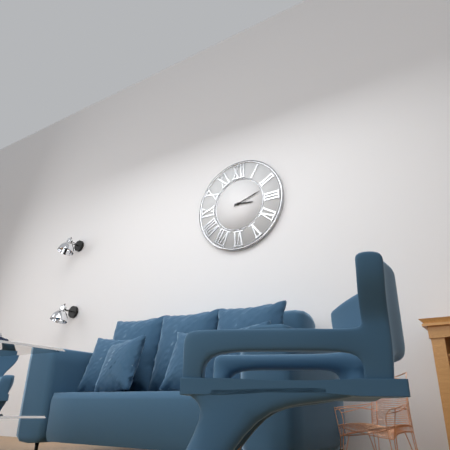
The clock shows 3h12
